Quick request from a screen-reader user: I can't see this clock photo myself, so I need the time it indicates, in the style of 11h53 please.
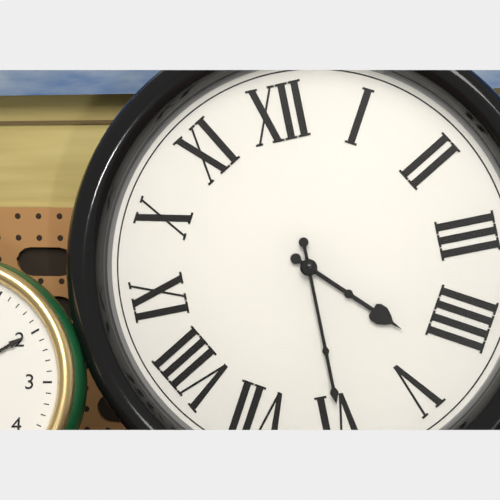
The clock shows 4h30
